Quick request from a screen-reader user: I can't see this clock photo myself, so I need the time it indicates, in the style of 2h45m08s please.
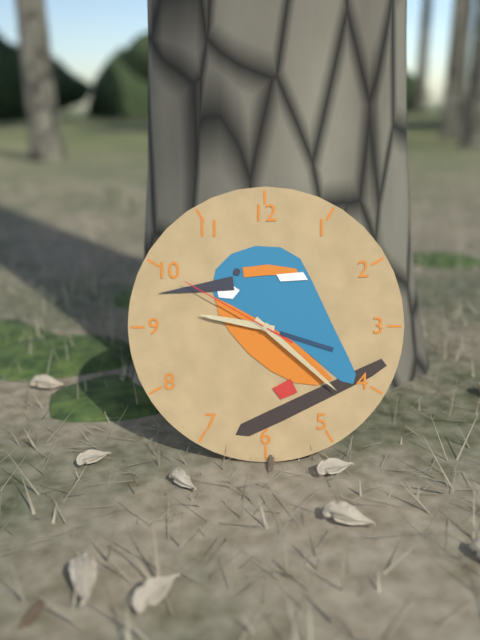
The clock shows 9h22m50s
